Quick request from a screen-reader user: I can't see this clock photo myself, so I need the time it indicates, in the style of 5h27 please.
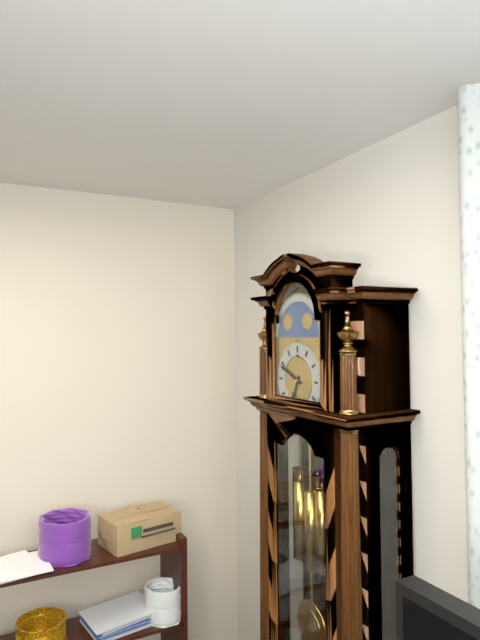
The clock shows 6h49
